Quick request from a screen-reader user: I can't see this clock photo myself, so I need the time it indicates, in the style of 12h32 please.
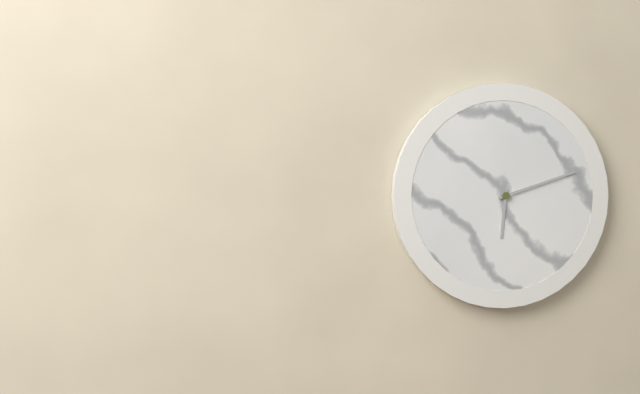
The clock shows 6h12
